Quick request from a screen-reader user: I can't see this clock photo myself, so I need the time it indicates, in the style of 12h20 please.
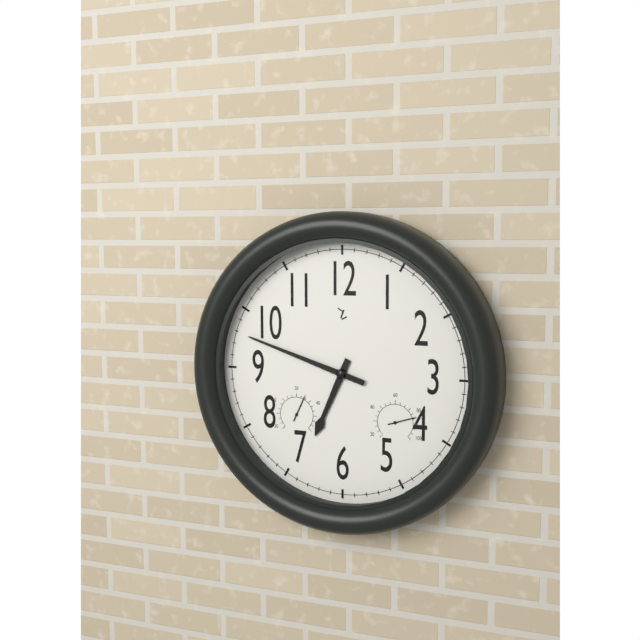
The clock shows 6h48
